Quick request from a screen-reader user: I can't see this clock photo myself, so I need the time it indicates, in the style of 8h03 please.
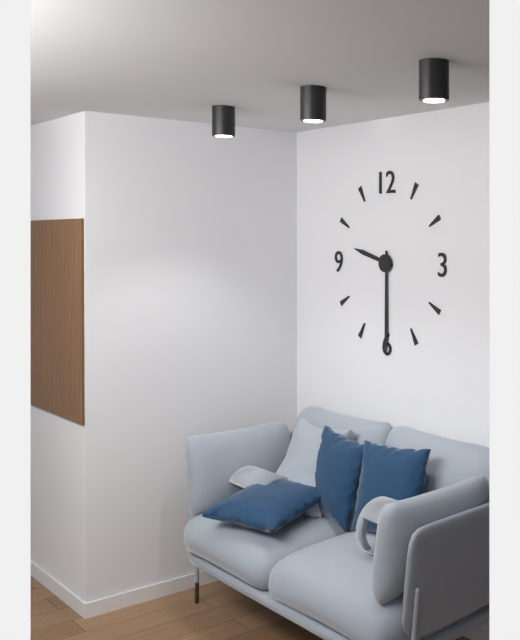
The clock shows 9h30
